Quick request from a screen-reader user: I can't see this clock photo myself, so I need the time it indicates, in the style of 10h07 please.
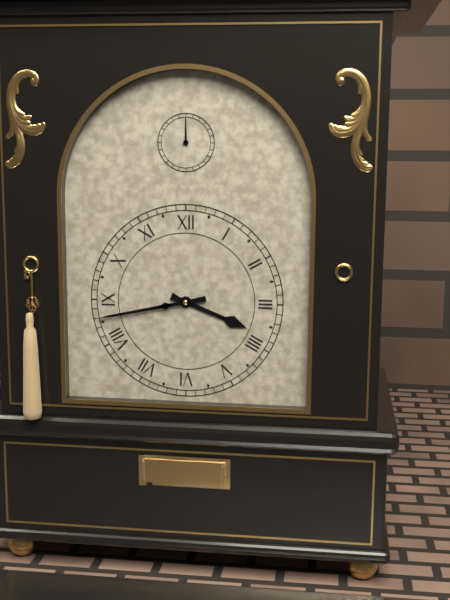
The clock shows 3h43
